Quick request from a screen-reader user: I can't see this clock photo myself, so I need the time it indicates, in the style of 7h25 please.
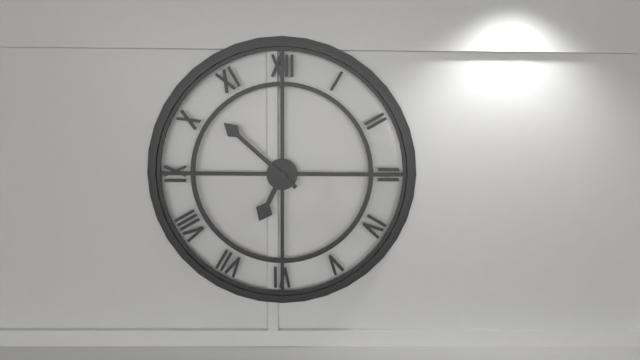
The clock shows 6h52
